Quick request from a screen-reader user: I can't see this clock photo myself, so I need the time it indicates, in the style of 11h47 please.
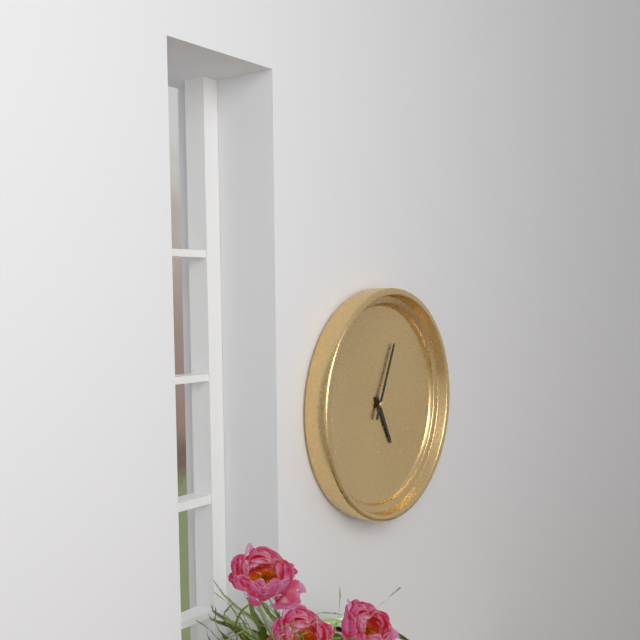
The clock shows 5h04
